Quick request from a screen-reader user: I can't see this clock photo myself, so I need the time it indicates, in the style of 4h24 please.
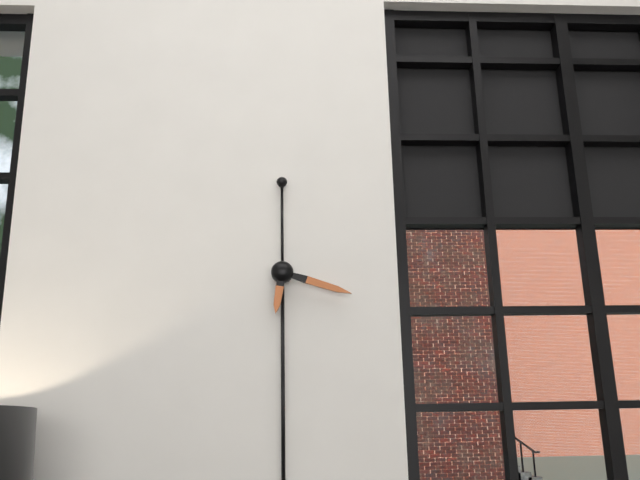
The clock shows 6h18
